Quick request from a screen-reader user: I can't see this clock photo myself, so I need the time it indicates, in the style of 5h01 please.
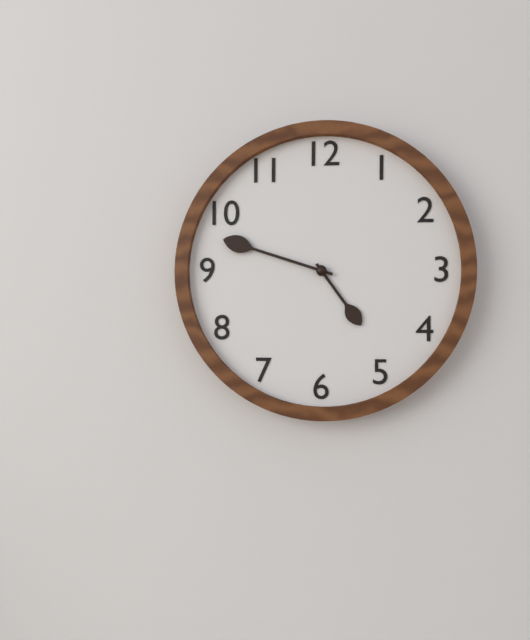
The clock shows 4h48
